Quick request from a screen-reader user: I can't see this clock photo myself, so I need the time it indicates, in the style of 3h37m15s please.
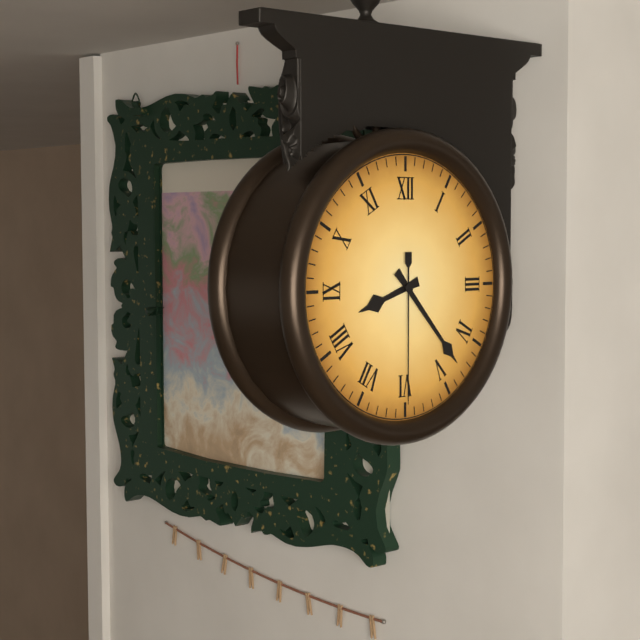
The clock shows 8h23m30s
